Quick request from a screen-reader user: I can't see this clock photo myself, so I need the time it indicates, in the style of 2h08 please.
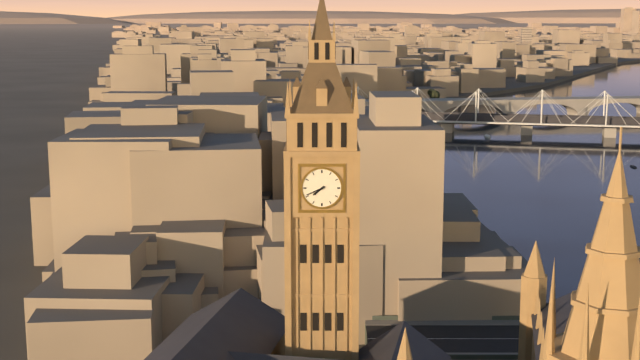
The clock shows 7h41
